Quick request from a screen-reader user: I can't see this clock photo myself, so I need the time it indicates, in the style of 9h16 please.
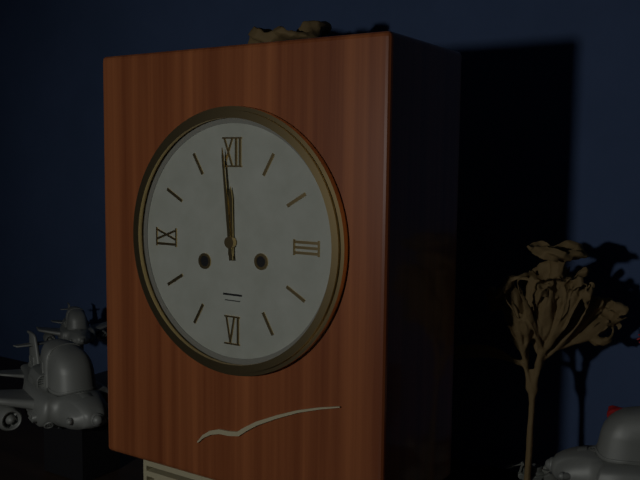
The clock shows 11h59
